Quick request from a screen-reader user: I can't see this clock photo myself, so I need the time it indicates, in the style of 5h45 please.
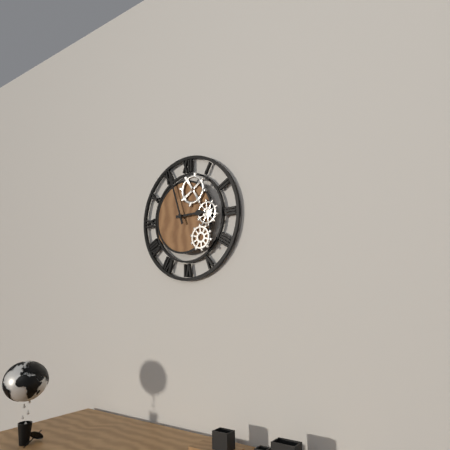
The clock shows 2h57
